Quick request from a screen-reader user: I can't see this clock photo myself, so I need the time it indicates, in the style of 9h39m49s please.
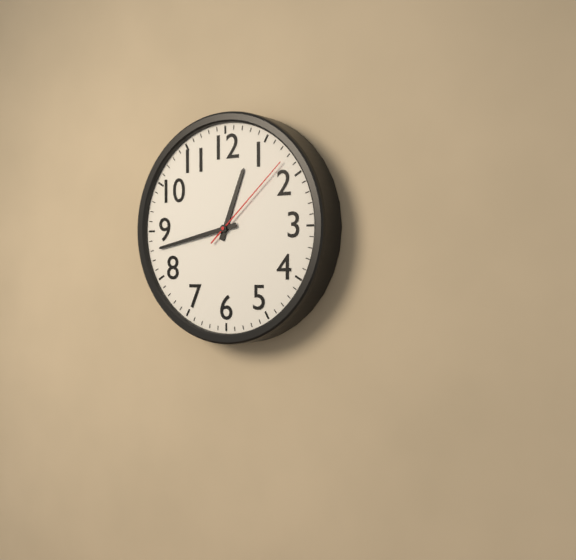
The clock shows 12h43m08s
